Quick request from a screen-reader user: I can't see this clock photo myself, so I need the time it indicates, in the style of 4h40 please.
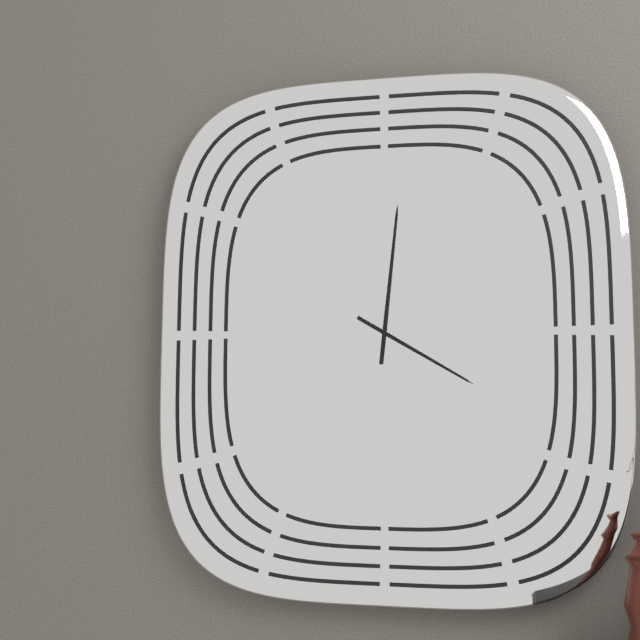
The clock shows 4h01
